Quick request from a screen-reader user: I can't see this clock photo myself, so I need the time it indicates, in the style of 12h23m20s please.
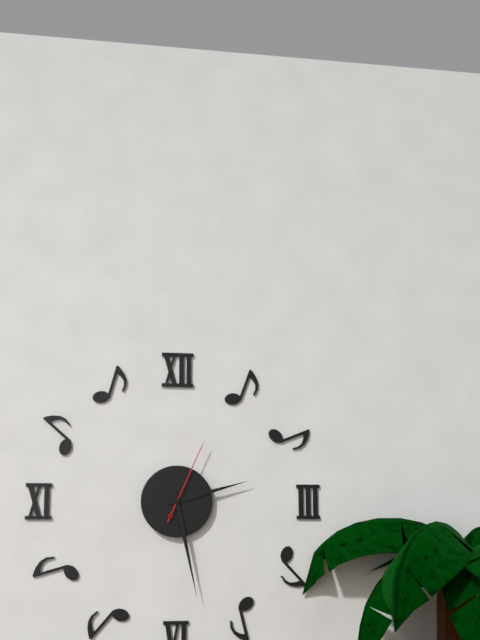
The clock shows 2h28m04s
